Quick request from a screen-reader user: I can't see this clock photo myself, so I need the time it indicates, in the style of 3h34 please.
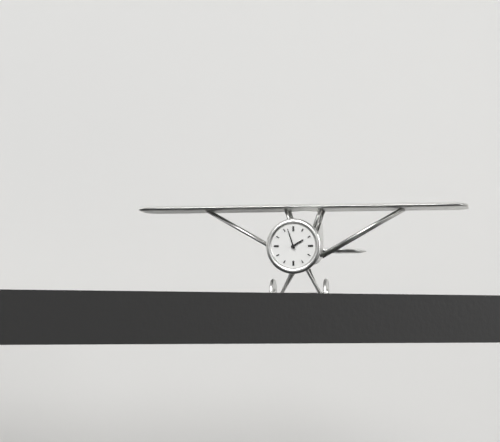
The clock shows 1h57
